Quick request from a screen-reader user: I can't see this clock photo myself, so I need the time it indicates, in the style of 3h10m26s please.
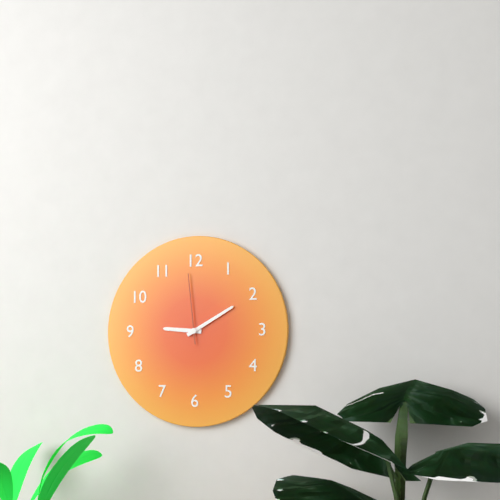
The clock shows 9h10m59s
